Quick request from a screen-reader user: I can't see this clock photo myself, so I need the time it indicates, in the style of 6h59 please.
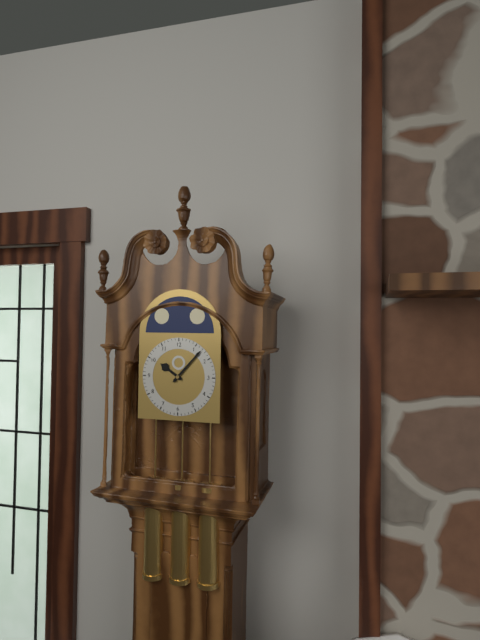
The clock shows 10h07
